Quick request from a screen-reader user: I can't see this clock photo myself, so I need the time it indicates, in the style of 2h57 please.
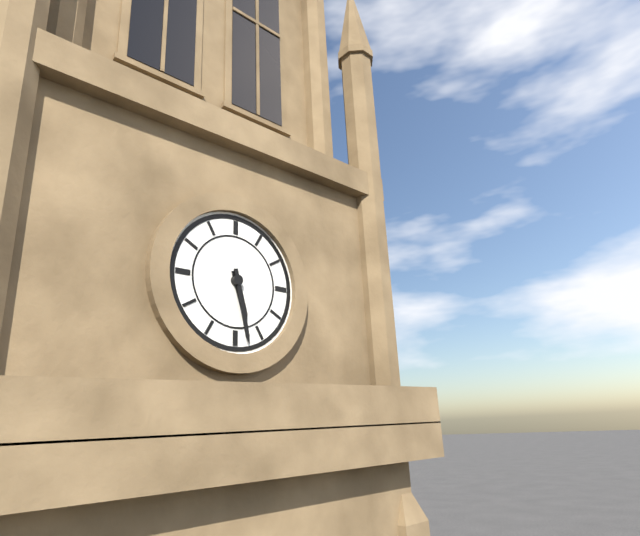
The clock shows 5h28
